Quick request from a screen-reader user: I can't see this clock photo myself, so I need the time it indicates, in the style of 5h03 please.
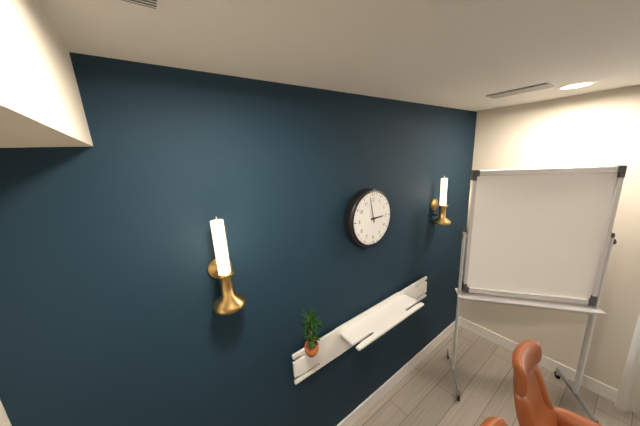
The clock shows 2h58
